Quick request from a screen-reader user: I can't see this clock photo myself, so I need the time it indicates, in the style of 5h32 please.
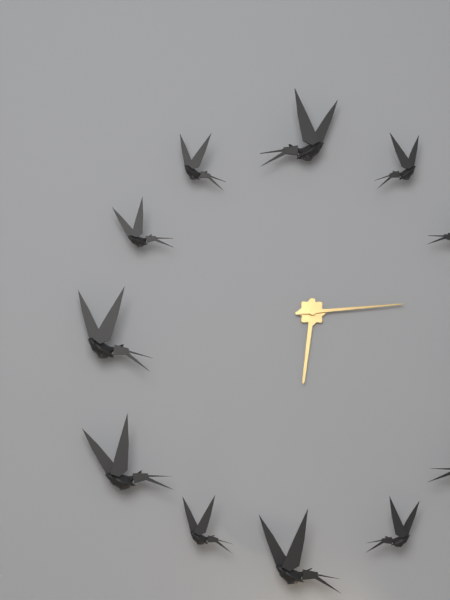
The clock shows 6h14
